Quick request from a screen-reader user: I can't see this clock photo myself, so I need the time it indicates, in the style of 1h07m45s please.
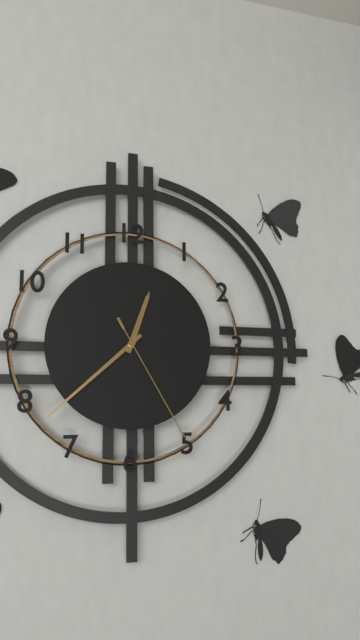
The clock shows 12h38m25s
